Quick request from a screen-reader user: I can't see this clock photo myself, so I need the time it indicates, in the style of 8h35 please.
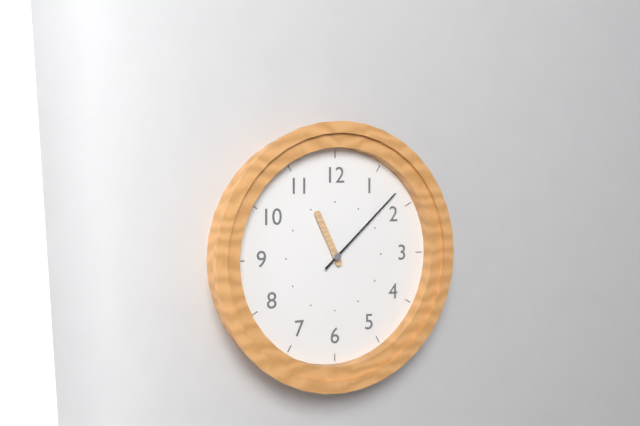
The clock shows 11h08
